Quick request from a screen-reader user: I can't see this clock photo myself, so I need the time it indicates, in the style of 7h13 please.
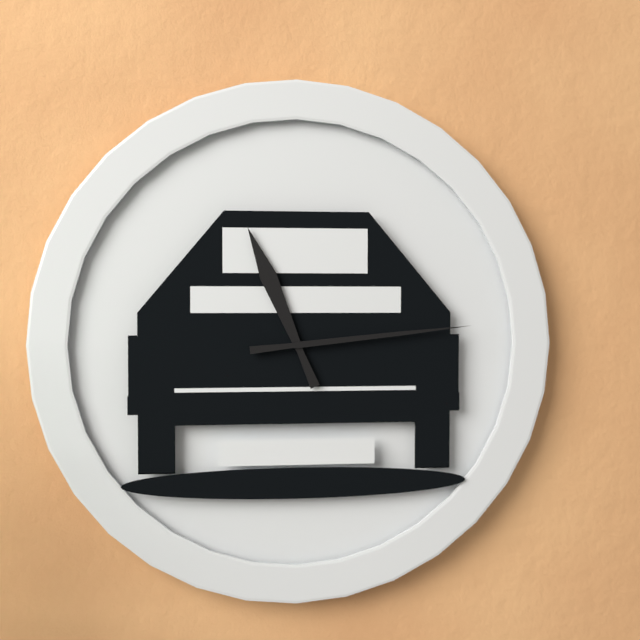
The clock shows 11h14
